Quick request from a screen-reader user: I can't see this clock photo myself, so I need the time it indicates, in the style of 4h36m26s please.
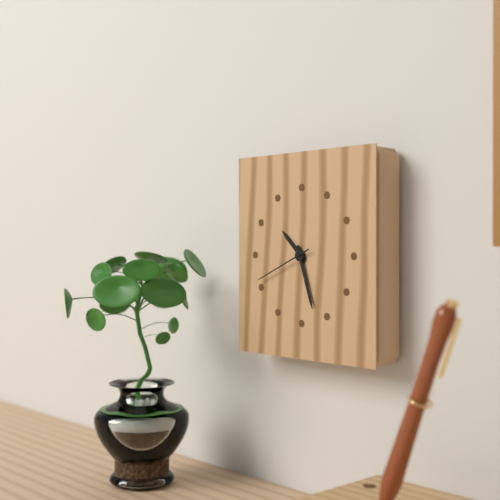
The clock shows 10h27m41s
